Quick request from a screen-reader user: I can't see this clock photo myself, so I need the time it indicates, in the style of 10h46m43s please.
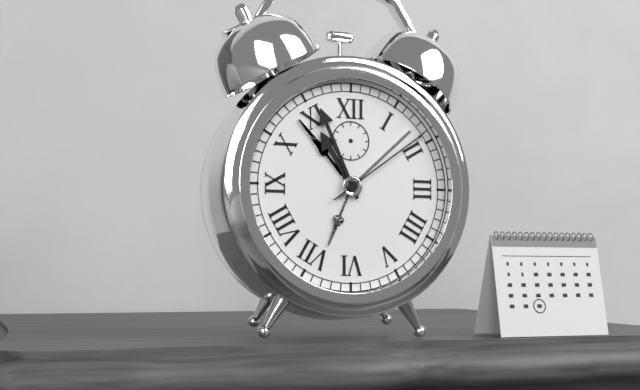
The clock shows 10h56m09s
